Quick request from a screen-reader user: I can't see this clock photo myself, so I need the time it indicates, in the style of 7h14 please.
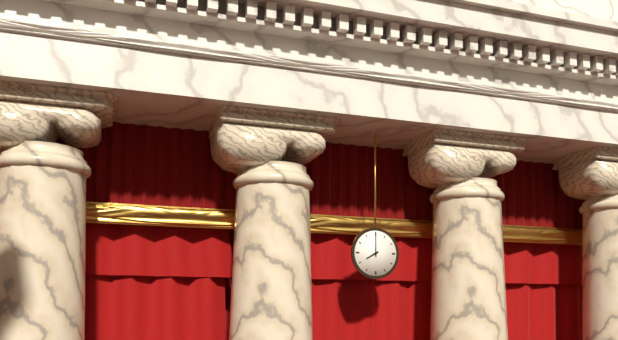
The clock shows 8h00
